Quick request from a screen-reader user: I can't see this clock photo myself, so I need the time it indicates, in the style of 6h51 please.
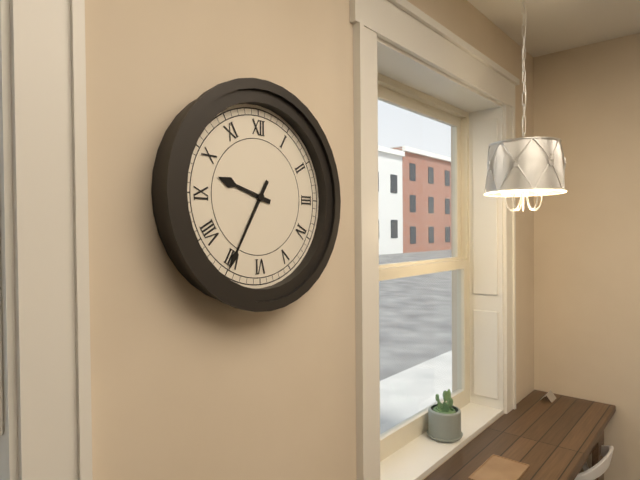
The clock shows 9h35
